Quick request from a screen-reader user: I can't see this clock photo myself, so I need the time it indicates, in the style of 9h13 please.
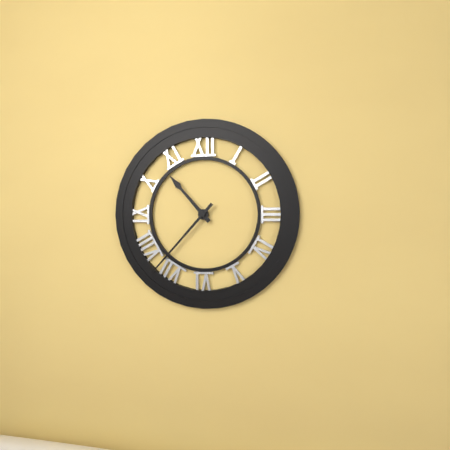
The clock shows 10h37
